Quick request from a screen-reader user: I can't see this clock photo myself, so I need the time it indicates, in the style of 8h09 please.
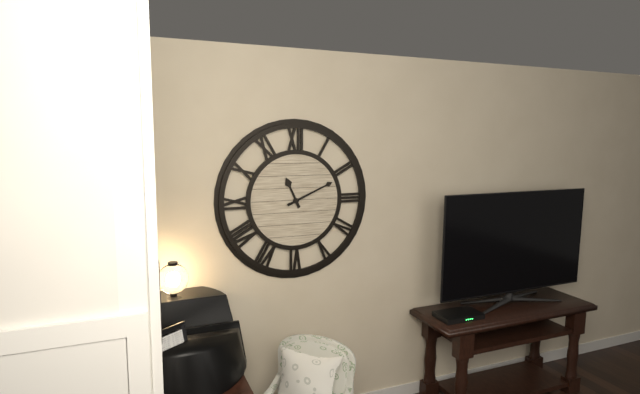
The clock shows 11h11
